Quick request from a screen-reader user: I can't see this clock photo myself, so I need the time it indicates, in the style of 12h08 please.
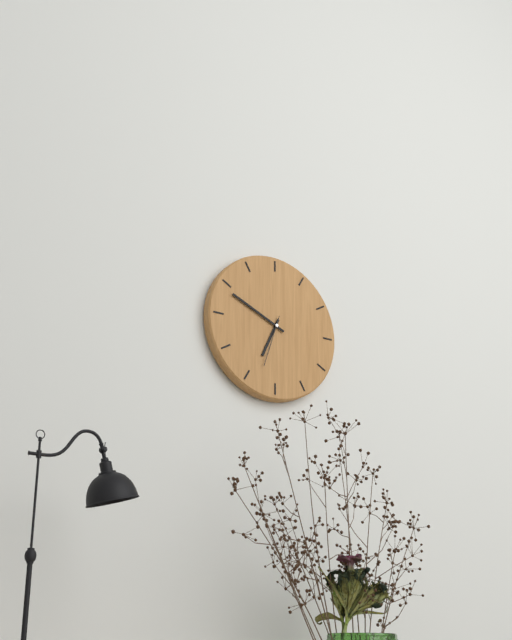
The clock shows 6h49
